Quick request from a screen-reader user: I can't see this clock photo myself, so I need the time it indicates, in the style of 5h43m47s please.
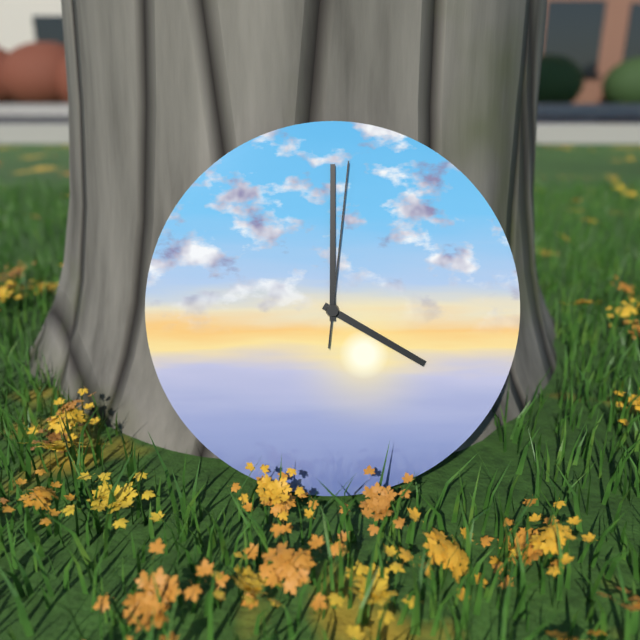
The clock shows 4h00m01s
